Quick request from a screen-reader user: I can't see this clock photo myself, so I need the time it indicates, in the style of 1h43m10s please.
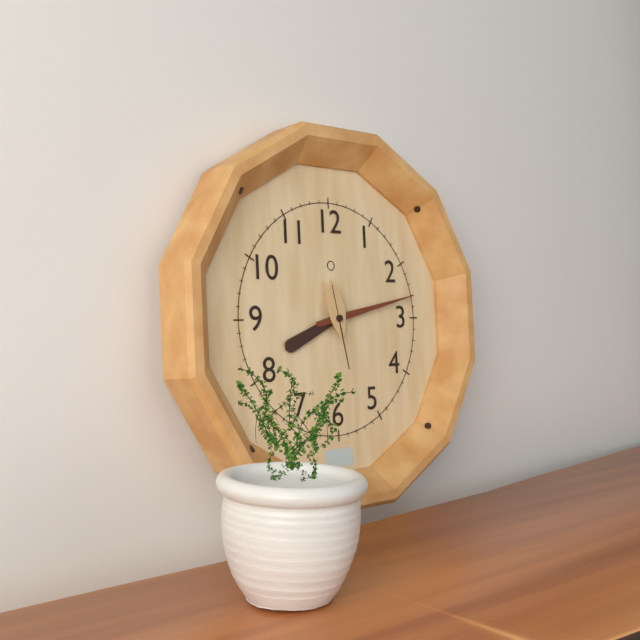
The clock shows 8h13m28s
